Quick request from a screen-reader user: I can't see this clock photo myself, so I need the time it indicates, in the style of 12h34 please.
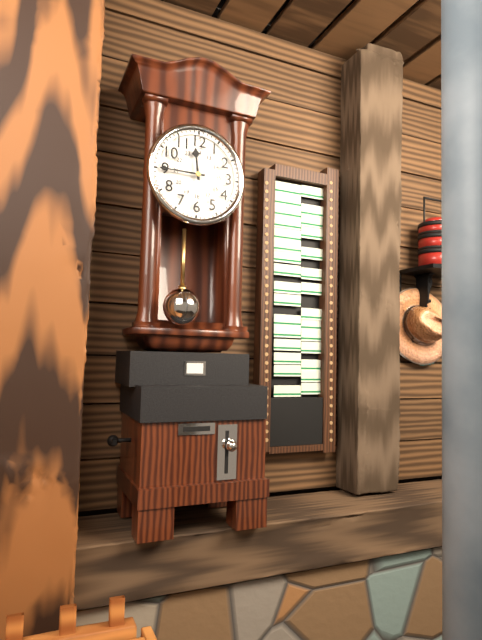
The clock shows 11h45
